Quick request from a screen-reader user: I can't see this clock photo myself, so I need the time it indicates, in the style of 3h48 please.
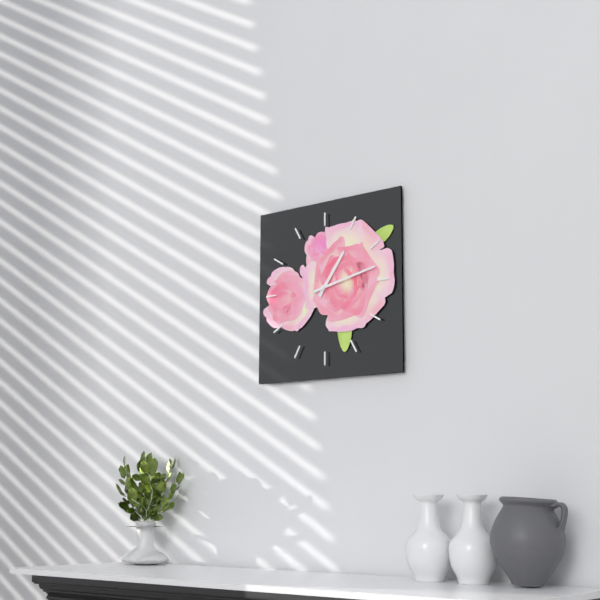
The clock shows 1h13
